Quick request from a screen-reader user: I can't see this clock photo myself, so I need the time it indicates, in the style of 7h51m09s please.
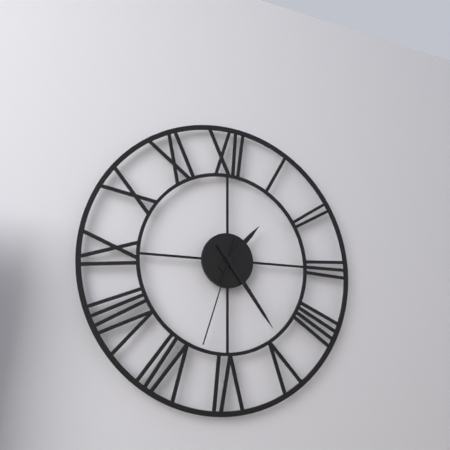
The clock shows 1h24m33s
